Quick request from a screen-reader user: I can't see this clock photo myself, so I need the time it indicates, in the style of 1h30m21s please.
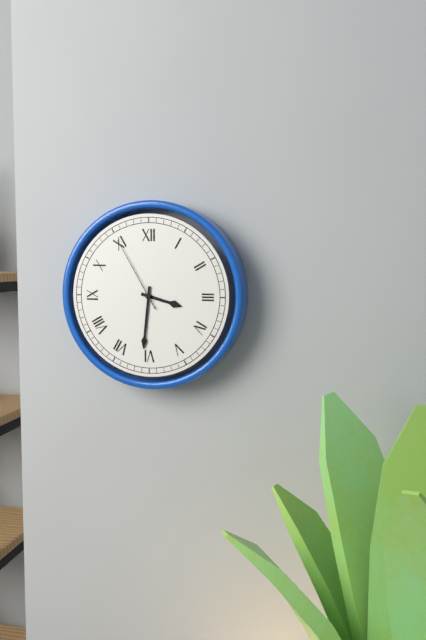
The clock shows 3h31m55s
